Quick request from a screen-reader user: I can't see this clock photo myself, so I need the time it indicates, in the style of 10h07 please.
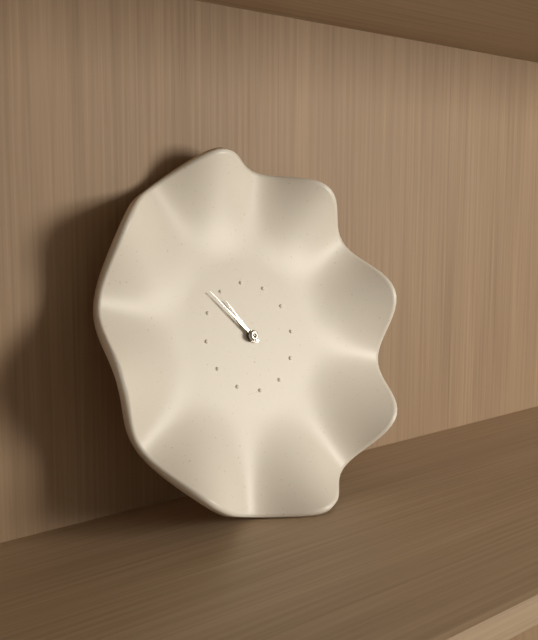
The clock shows 10h53
